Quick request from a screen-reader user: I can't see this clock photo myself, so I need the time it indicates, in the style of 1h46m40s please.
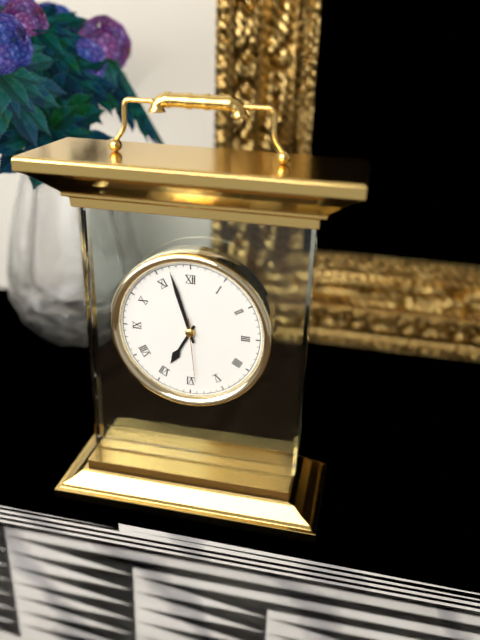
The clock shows 6h57m29s
